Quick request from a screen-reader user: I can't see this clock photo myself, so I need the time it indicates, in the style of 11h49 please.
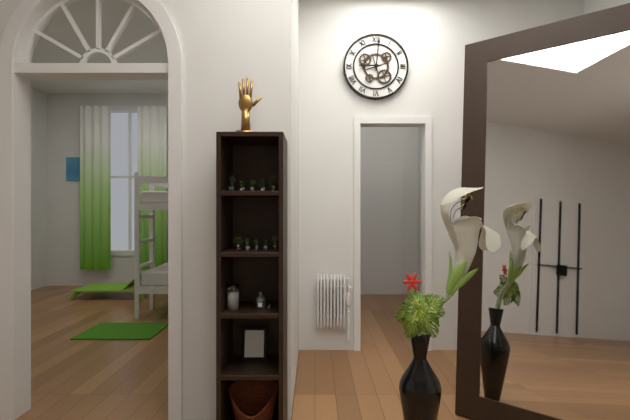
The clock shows 9h01
